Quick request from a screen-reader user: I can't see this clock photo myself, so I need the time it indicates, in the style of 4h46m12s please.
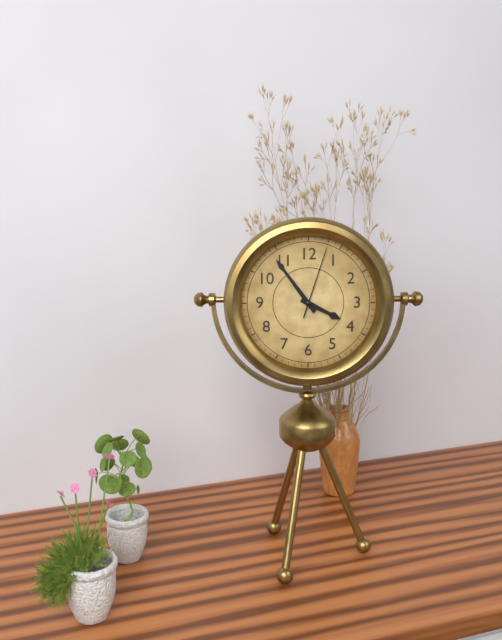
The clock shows 3h54m03s
